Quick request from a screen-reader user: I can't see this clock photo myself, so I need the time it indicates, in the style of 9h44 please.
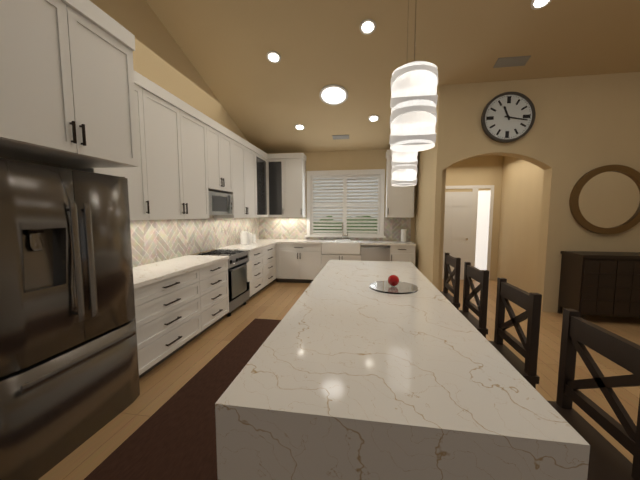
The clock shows 11h17
